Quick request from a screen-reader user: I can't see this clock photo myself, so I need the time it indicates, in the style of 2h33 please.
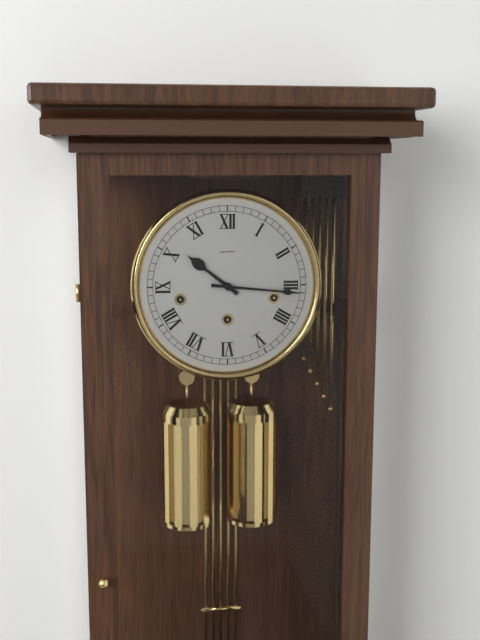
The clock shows 10h16
